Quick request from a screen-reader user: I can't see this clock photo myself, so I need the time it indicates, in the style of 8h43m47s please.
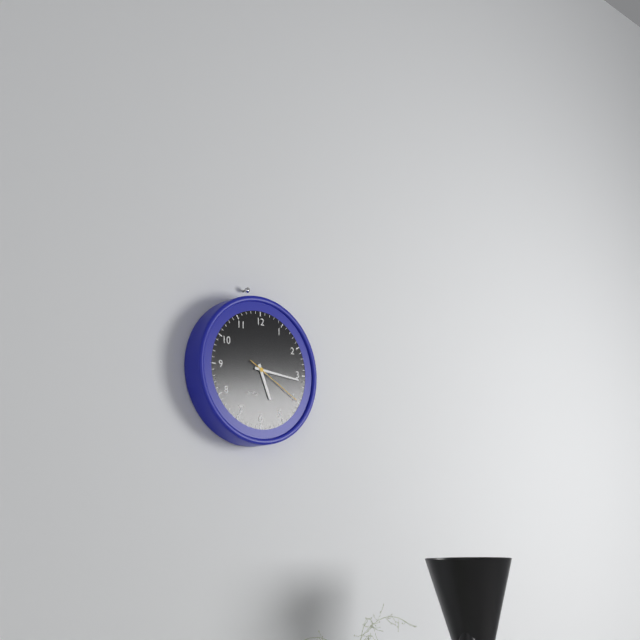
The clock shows 5h16m20s
